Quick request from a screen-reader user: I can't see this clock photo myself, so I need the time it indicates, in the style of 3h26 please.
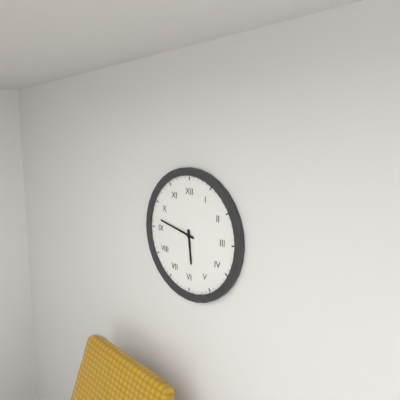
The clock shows 5h47
